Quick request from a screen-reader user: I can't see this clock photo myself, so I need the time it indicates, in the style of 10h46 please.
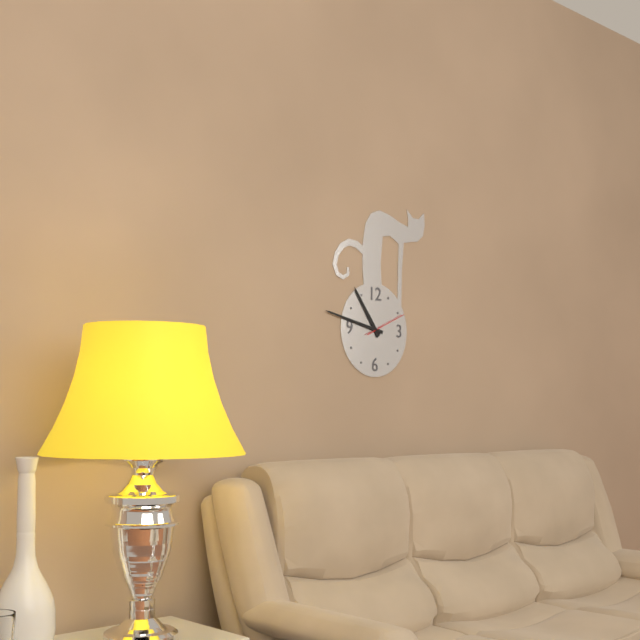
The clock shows 10h47
